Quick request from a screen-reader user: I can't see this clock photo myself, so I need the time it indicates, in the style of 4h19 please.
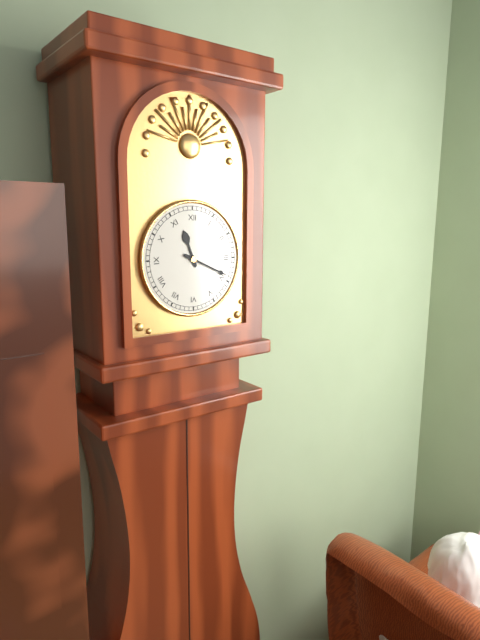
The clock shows 11h19
